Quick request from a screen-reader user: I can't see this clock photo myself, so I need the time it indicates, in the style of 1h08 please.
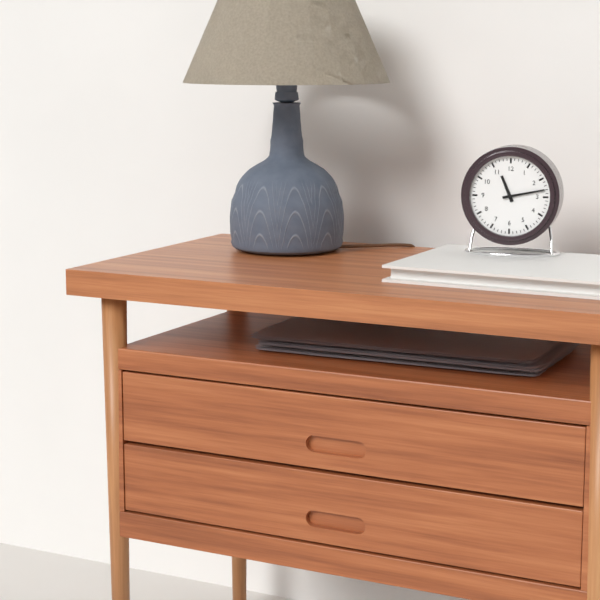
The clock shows 11h13
